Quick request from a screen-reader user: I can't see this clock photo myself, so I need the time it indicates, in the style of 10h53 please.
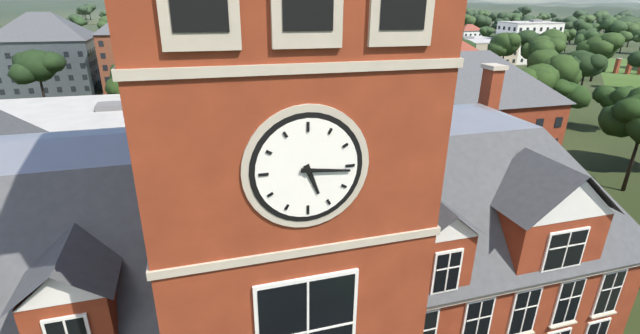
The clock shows 5h16
